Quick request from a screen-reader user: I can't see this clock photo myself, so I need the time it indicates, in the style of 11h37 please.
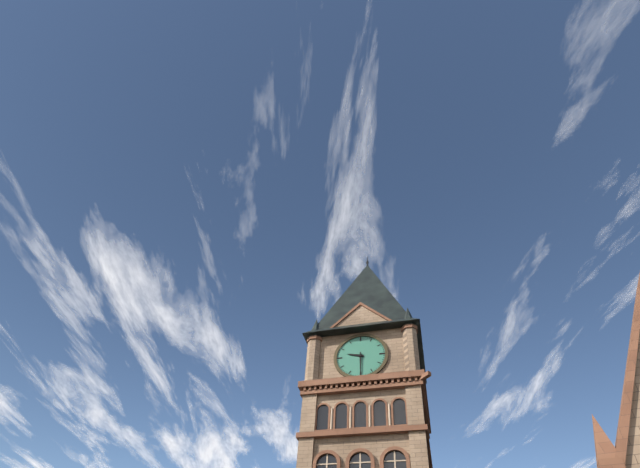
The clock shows 9h30
